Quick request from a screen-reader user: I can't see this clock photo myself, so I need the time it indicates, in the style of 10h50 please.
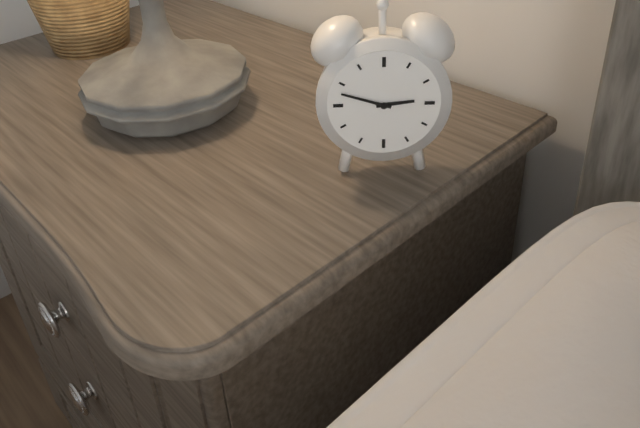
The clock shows 2h48
